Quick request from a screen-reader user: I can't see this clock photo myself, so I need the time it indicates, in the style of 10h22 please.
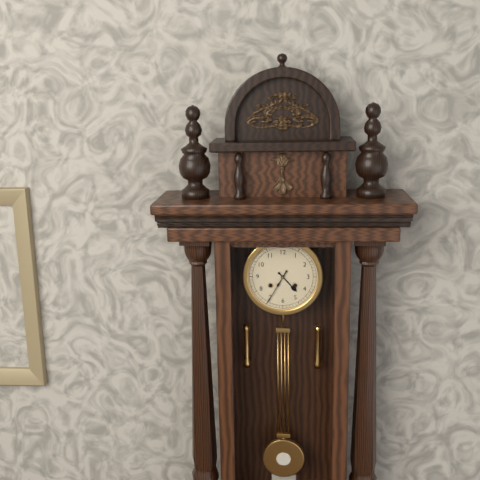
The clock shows 4h35
